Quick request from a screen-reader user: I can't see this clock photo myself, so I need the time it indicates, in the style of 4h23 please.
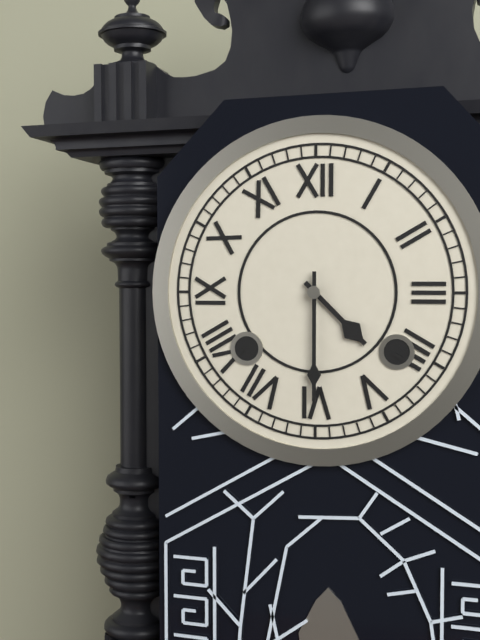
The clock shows 4h30
